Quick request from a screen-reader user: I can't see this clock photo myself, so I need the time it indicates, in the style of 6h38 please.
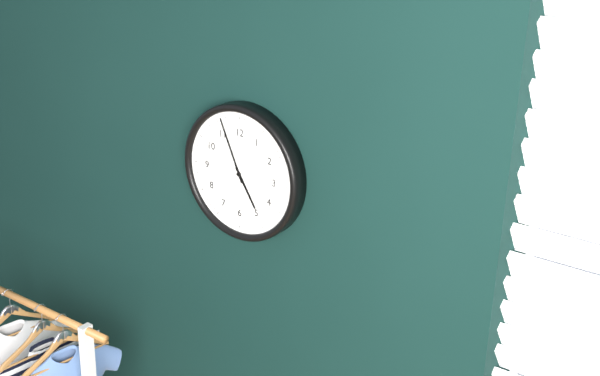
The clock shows 4h56
